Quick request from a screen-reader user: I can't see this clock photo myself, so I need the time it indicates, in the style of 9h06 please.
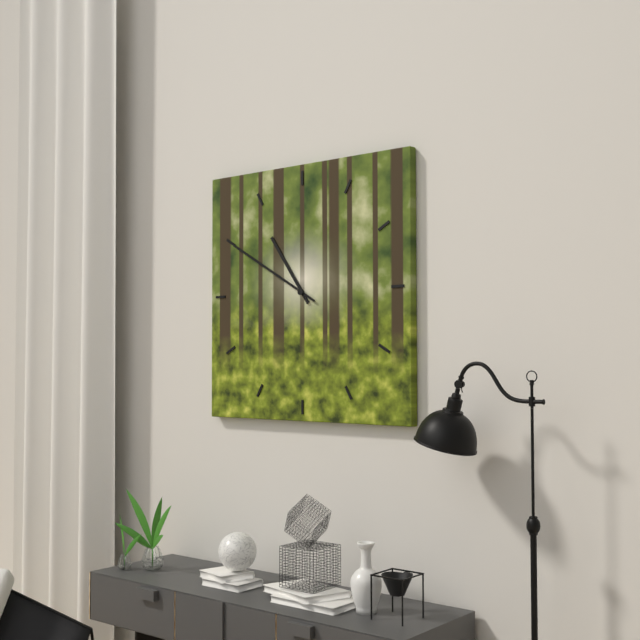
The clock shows 10h50
